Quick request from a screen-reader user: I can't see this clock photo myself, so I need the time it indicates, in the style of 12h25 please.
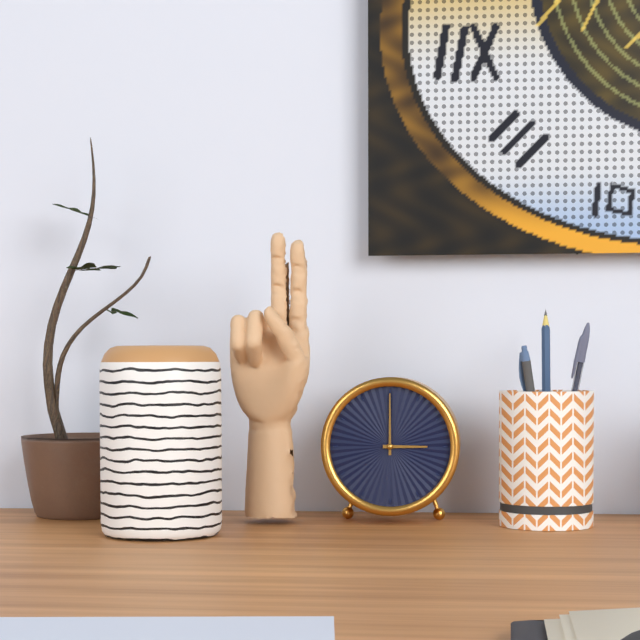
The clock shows 3h00
